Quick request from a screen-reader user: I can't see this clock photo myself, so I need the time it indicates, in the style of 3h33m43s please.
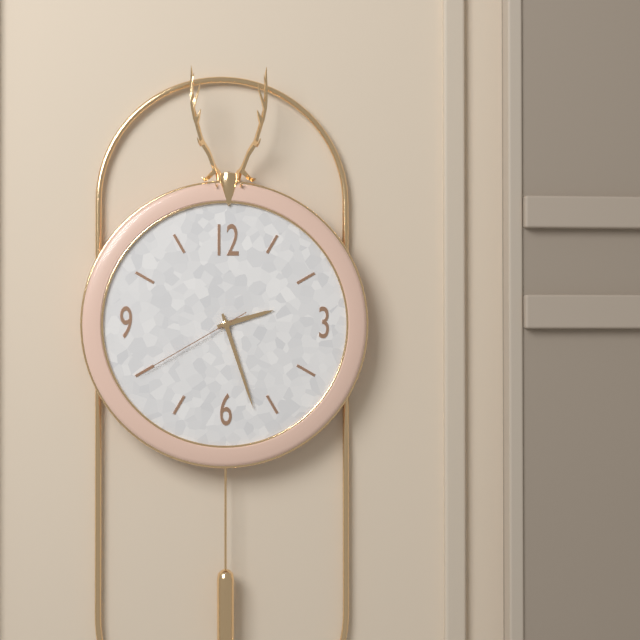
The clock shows 2h27m40s
